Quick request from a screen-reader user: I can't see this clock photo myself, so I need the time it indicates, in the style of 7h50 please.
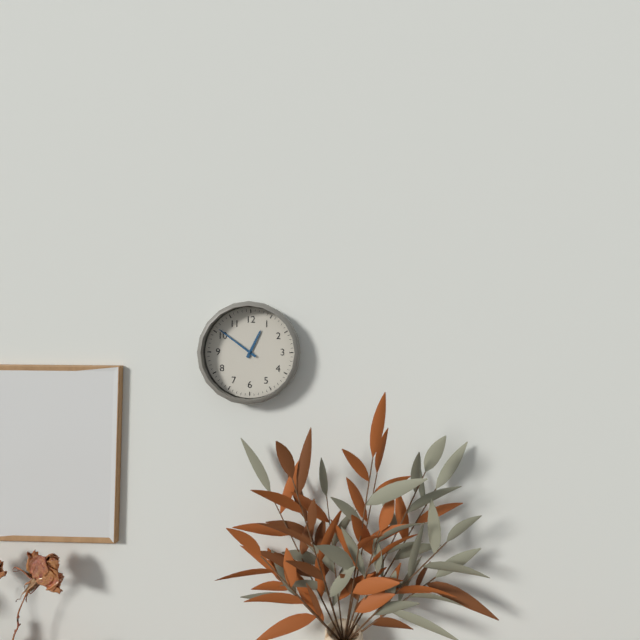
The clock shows 12h51
